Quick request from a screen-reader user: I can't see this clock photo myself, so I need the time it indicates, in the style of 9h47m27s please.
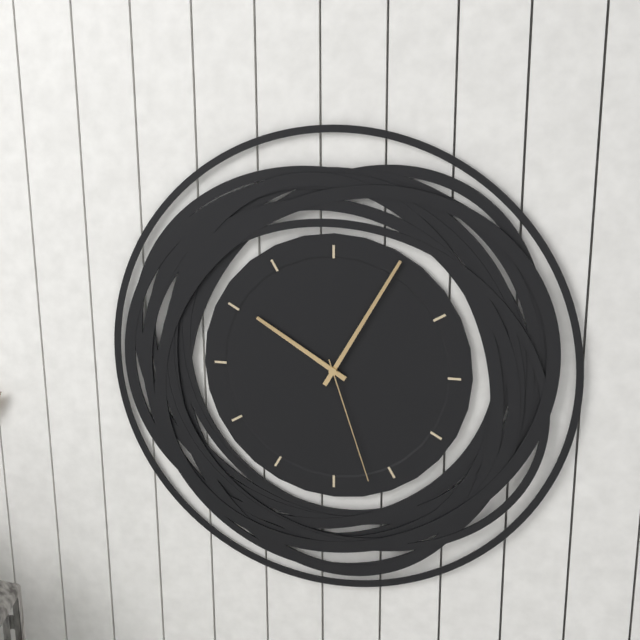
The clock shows 10h05m27s
